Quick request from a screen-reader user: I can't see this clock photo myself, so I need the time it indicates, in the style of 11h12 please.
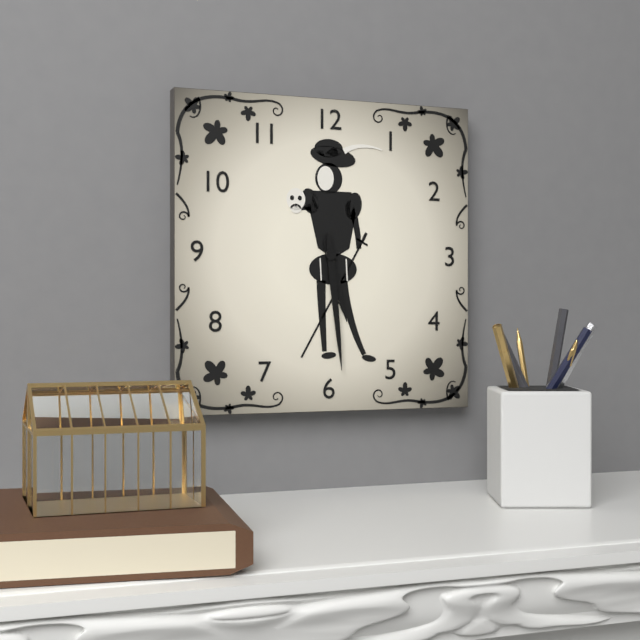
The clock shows 5h29
